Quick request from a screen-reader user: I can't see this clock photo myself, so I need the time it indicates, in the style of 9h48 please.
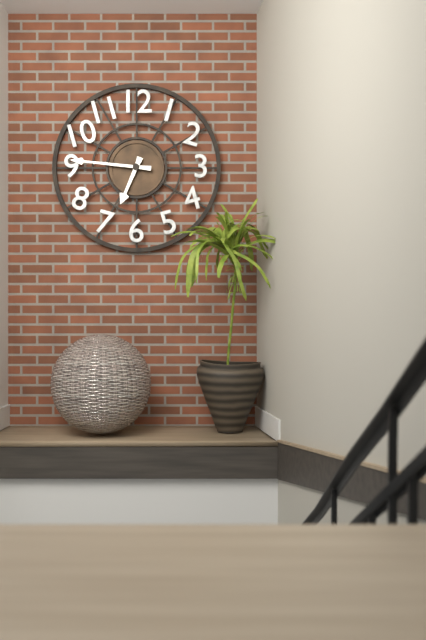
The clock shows 6h46
